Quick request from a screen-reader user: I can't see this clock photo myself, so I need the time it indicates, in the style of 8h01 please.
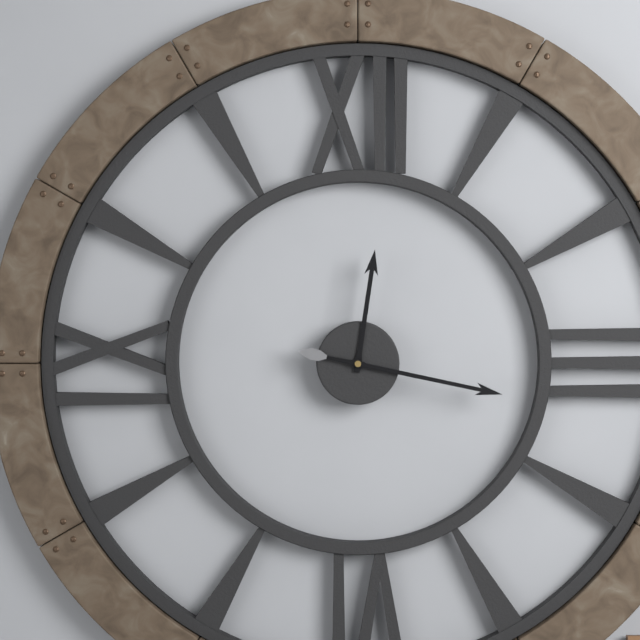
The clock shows 12h17
